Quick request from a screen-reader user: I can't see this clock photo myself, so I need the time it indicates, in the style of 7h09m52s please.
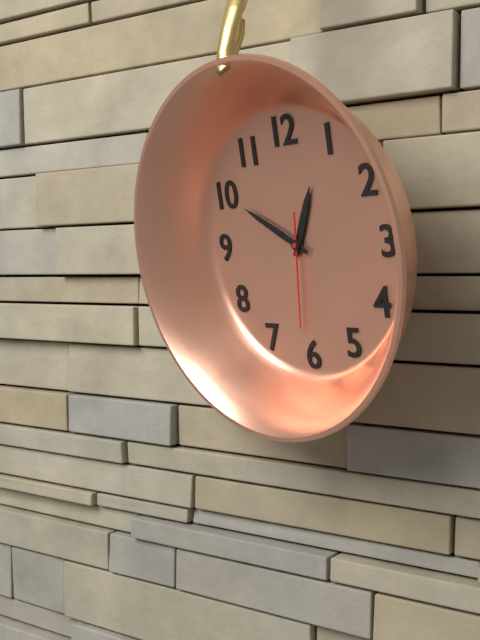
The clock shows 12h50m31s
